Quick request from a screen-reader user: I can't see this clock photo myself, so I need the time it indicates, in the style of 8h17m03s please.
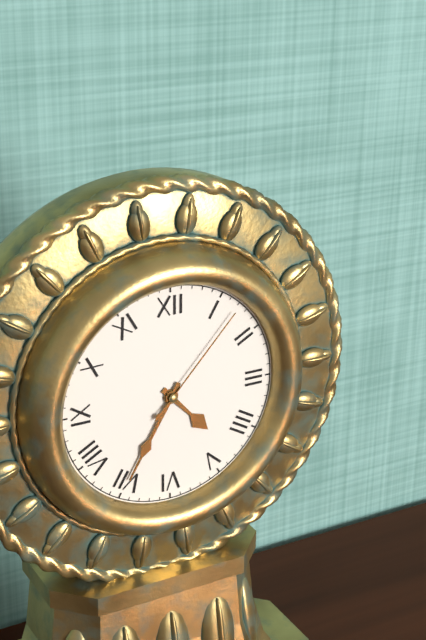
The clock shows 4h35m07s
